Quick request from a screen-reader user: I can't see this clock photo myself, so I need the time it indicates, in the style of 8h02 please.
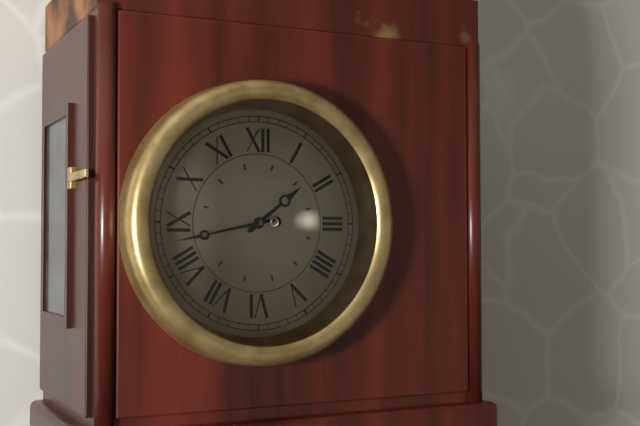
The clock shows 1h43
